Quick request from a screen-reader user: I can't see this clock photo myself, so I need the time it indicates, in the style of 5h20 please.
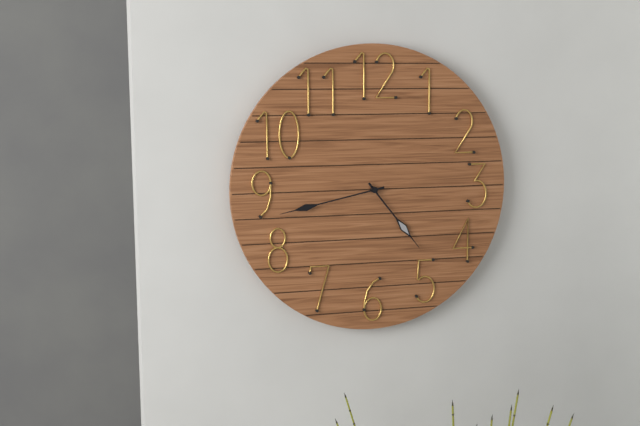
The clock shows 4h43
